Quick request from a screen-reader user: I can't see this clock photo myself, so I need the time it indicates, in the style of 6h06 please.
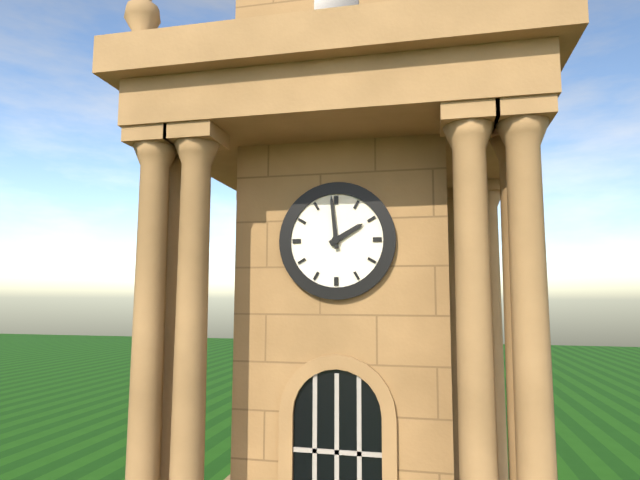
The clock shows 1h59
